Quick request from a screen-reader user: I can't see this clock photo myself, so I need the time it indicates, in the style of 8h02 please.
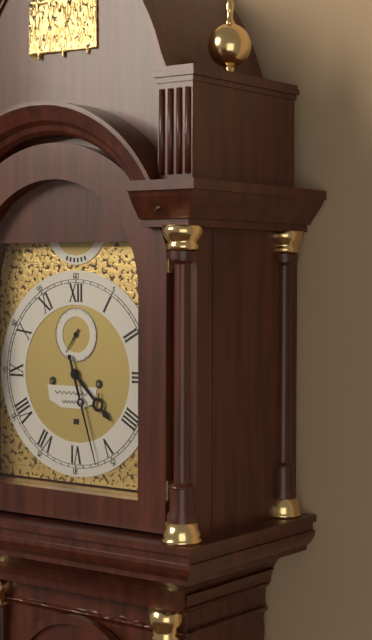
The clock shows 4h27
